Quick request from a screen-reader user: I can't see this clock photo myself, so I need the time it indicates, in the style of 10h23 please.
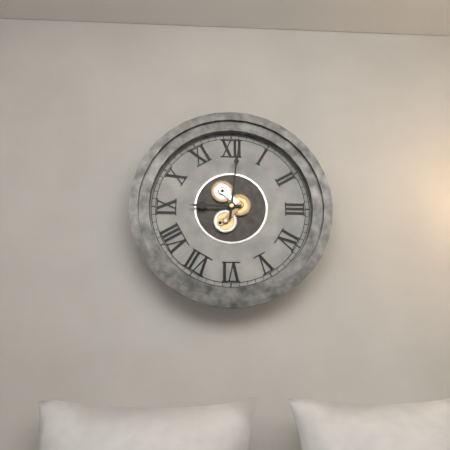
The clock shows 9h01
